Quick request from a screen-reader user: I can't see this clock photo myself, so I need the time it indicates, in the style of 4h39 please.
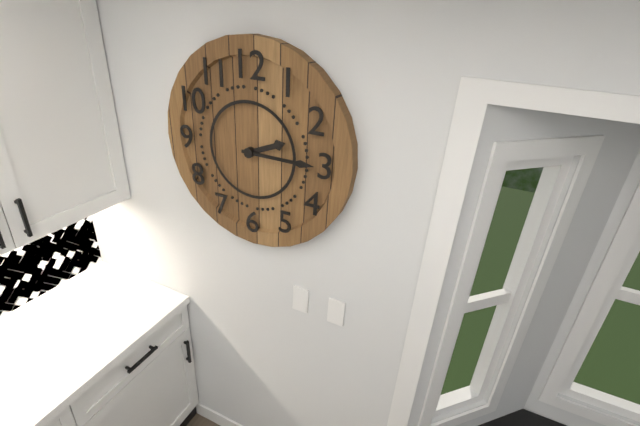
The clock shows 2h15
